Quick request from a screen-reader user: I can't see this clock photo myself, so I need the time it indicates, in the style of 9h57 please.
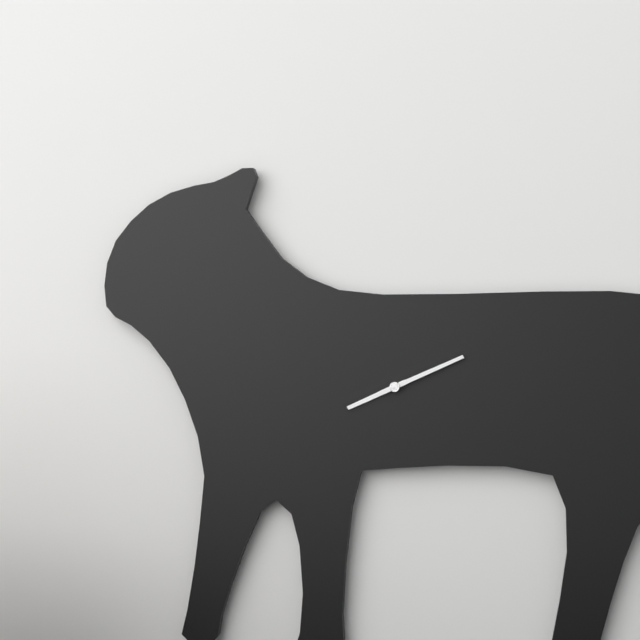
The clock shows 8h11
